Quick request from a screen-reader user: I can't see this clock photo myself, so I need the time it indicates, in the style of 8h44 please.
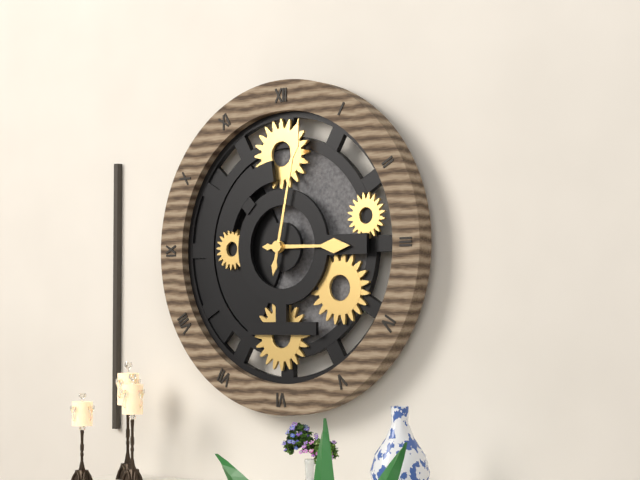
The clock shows 3h02
